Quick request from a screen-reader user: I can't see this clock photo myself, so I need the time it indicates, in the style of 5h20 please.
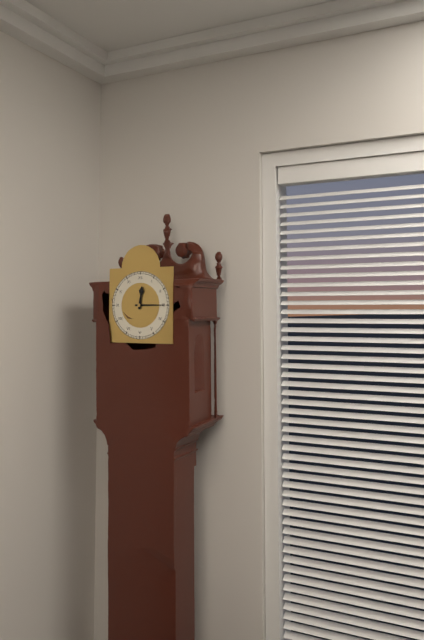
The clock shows 12h15
